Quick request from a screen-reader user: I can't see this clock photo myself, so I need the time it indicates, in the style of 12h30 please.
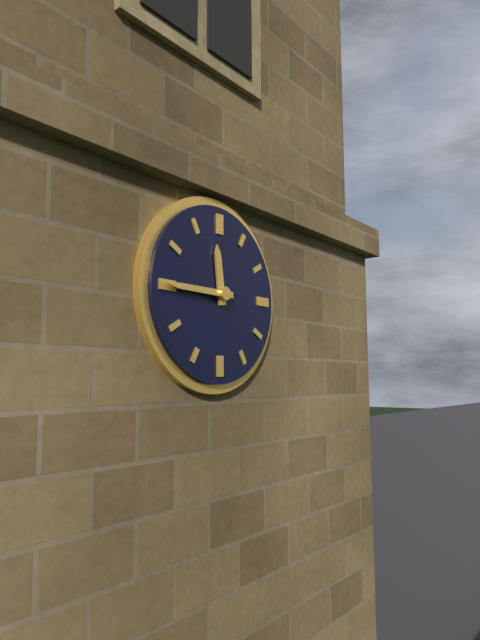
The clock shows 11h45
